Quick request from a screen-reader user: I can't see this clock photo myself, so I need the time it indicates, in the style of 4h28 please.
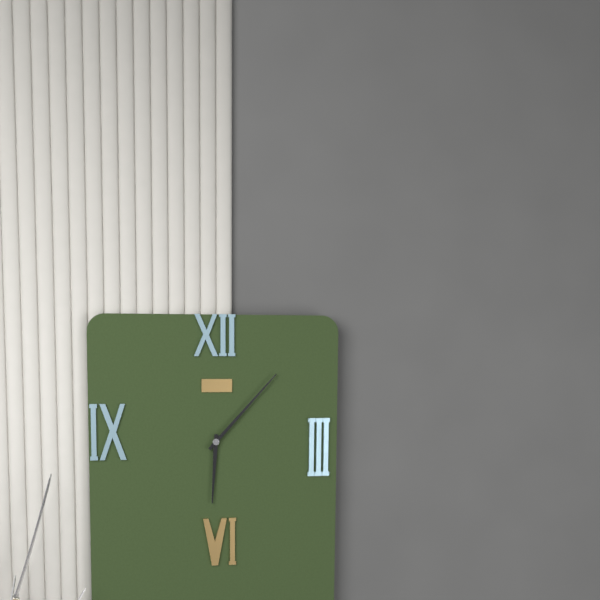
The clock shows 6h07
